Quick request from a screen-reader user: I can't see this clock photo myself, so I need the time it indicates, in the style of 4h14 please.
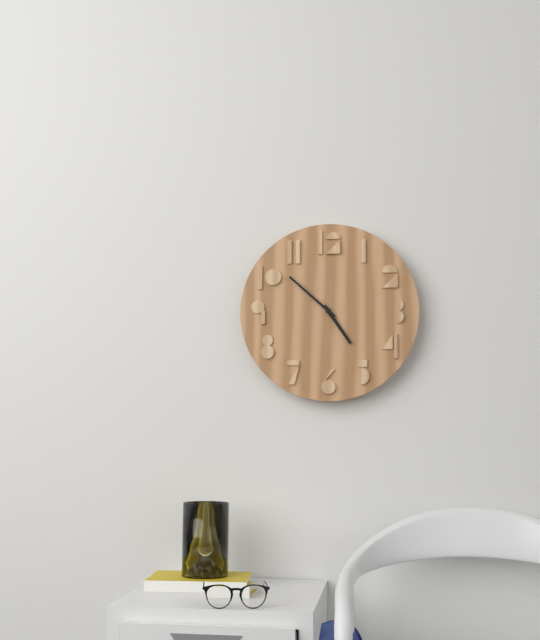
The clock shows 4h52
